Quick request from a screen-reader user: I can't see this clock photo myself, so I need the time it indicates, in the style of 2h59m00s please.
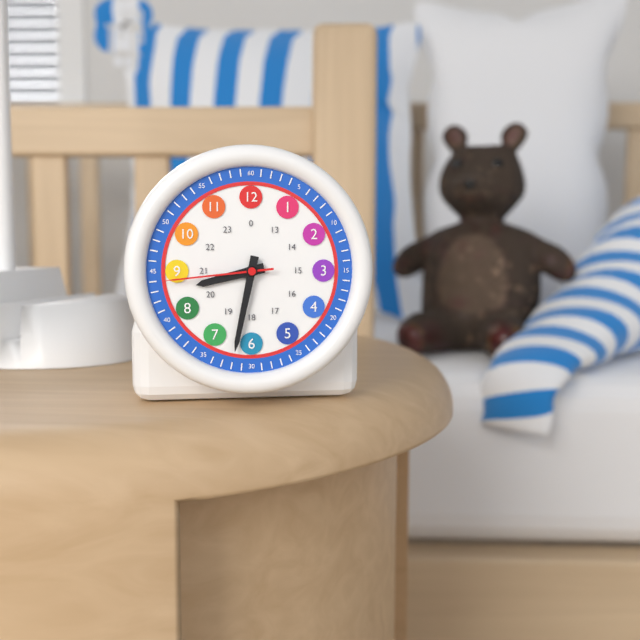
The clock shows 8h32m44s
